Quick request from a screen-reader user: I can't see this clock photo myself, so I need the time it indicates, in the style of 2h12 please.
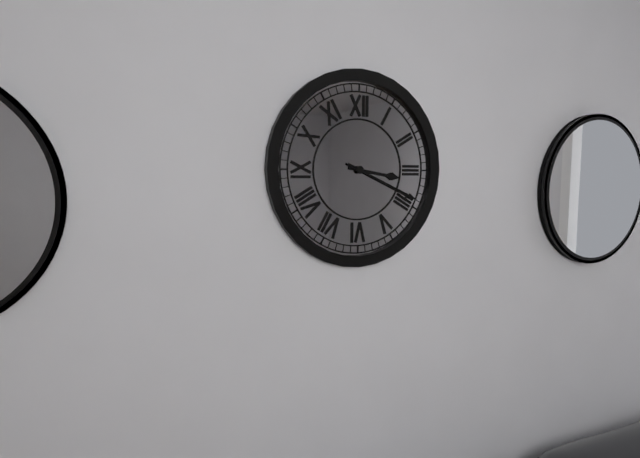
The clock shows 3h19
